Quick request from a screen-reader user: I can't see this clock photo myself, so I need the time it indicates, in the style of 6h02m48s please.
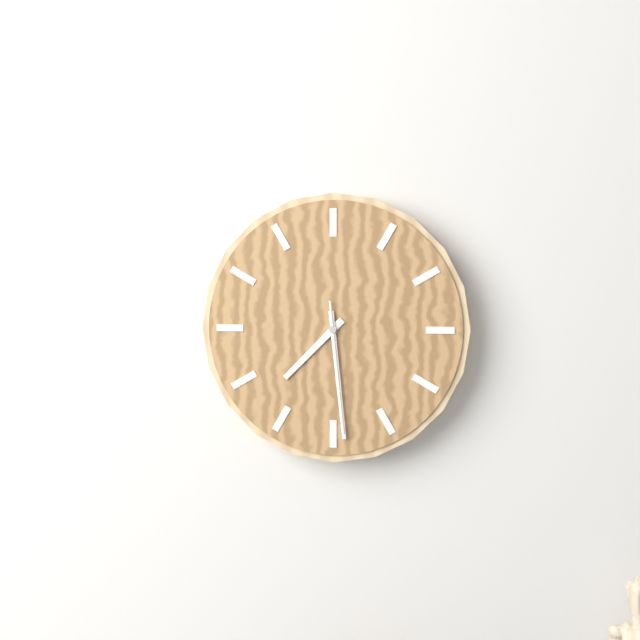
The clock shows 7h29m29s
